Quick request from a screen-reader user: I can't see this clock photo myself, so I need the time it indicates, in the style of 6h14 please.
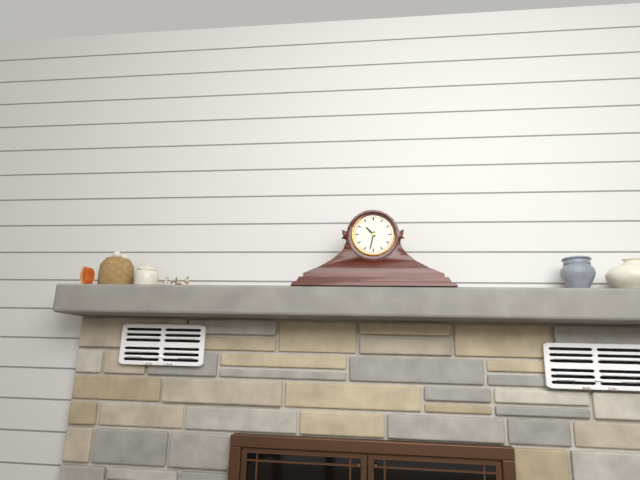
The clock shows 10h32
